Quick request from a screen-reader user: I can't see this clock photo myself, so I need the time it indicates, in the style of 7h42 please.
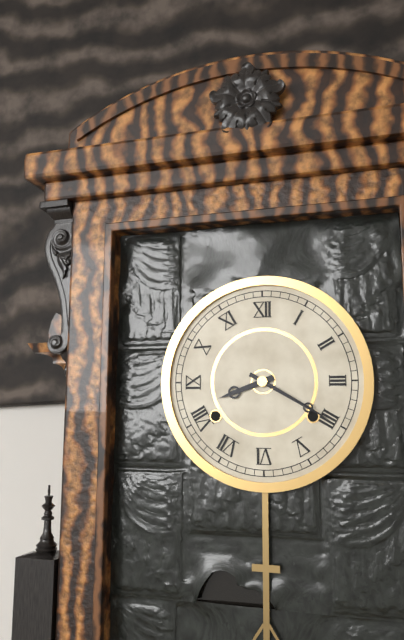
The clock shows 8h20
